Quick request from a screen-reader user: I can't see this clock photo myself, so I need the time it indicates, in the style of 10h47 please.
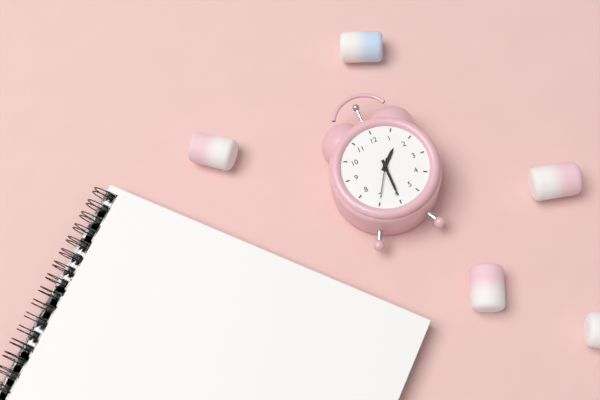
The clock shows 1h30
